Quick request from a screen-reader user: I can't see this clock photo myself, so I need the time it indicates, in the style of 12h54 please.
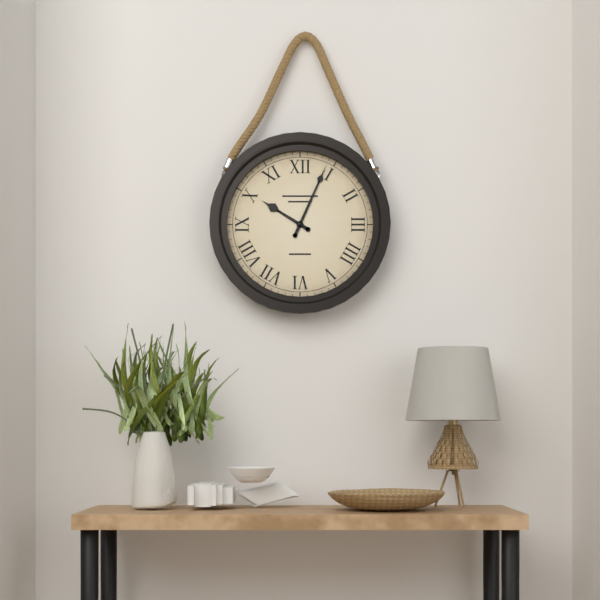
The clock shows 10h04
